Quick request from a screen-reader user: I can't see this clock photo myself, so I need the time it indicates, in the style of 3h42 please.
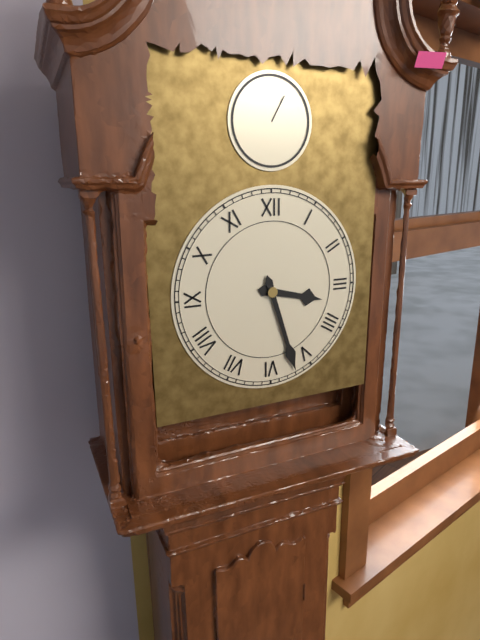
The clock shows 3h27
